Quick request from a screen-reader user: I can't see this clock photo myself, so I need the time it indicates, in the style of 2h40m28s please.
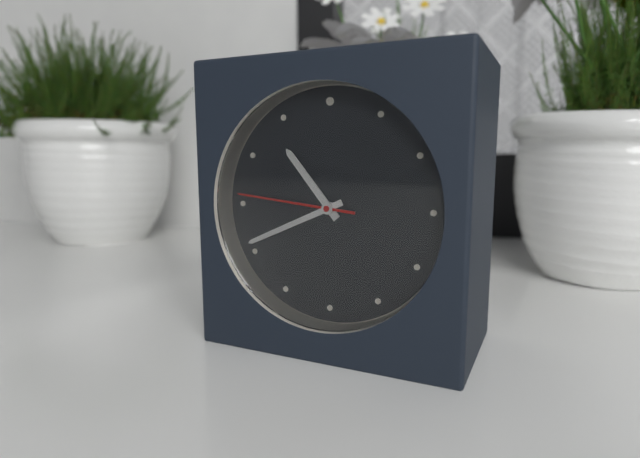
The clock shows 10h41m46s
